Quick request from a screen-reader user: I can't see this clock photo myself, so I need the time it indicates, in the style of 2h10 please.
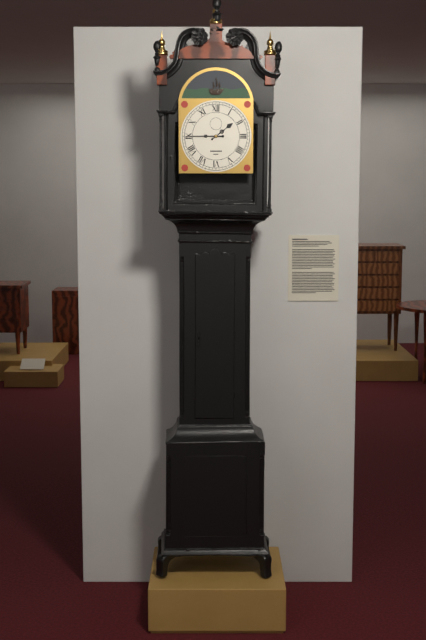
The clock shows 1h45
